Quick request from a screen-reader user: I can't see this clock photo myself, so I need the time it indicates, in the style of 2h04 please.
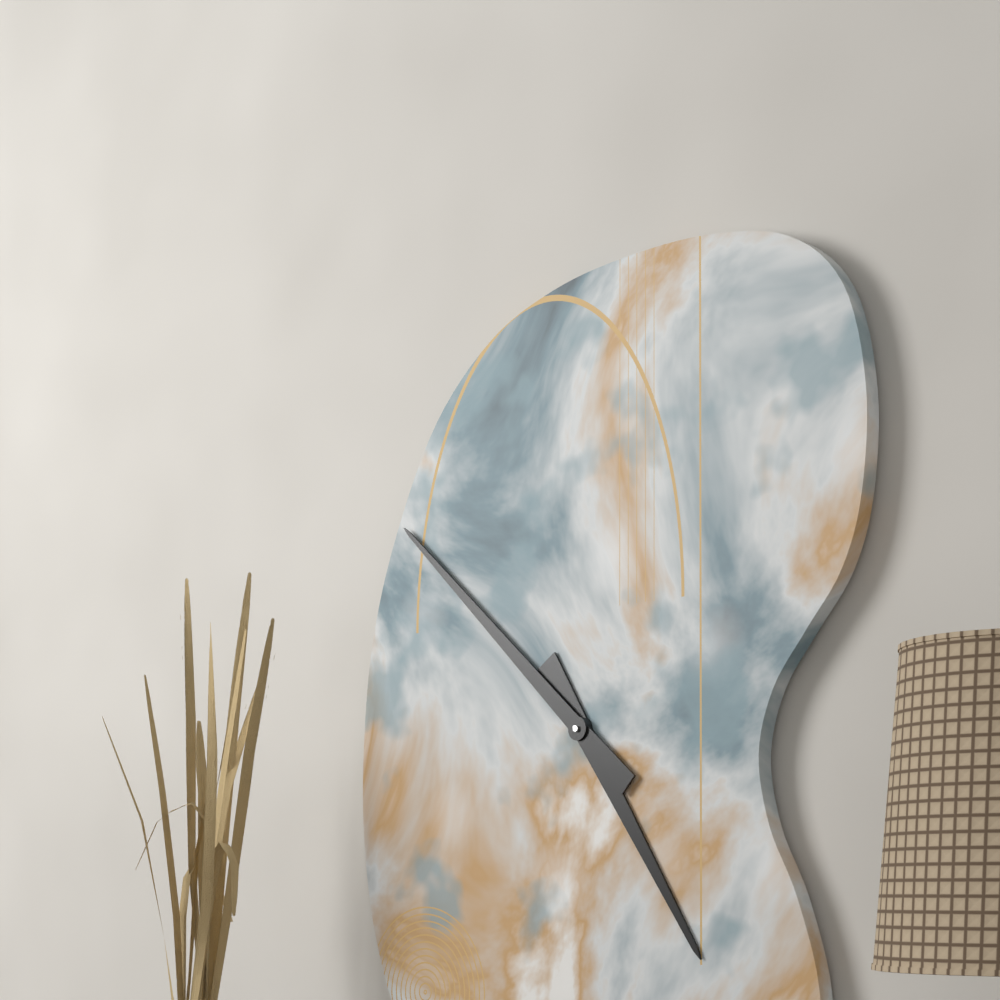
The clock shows 4h52
